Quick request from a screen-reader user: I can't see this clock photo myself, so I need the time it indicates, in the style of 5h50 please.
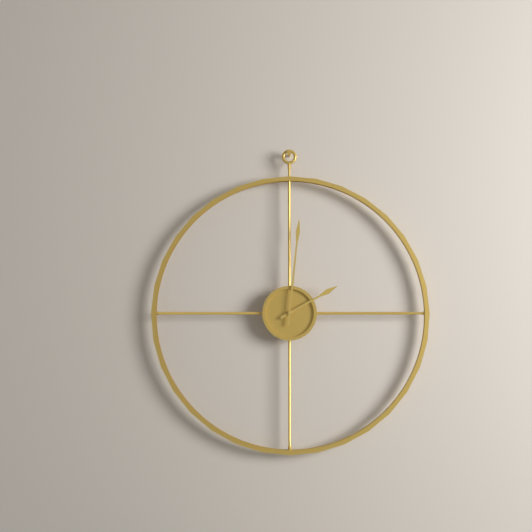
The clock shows 2h01
